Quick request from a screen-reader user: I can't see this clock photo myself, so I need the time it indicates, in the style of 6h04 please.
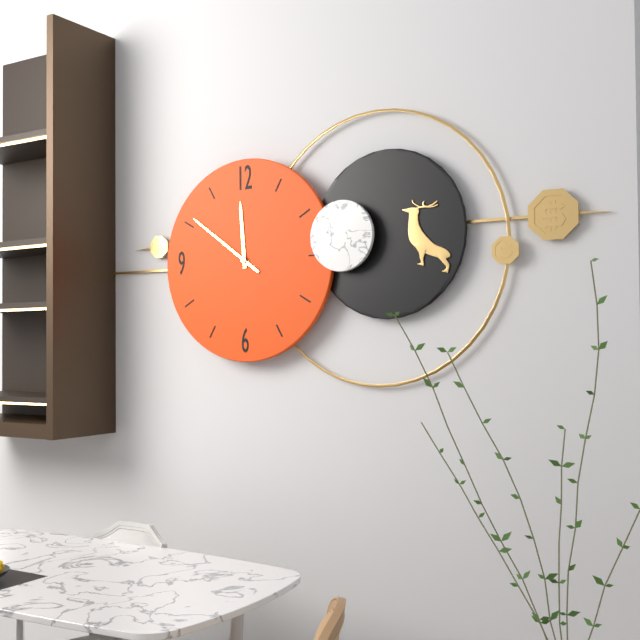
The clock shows 11h51
